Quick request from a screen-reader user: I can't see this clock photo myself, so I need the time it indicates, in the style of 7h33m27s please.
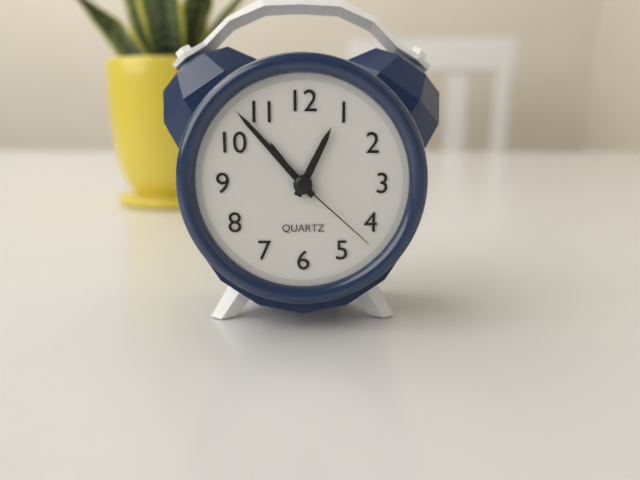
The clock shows 12h53m22s
